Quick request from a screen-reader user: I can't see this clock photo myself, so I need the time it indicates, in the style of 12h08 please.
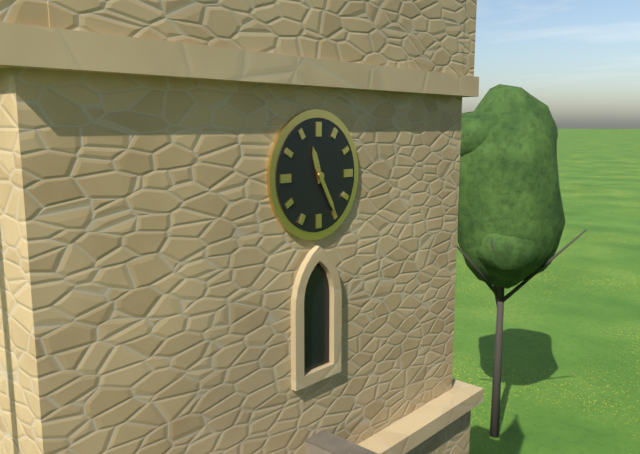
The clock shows 11h25
